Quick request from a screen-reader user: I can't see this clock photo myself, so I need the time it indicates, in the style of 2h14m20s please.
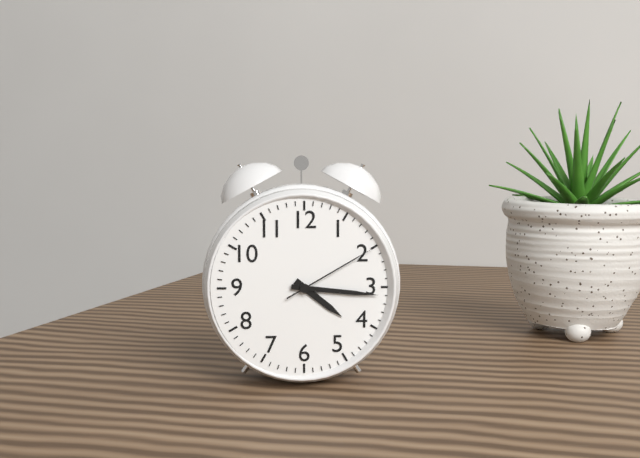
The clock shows 4h16m10s
